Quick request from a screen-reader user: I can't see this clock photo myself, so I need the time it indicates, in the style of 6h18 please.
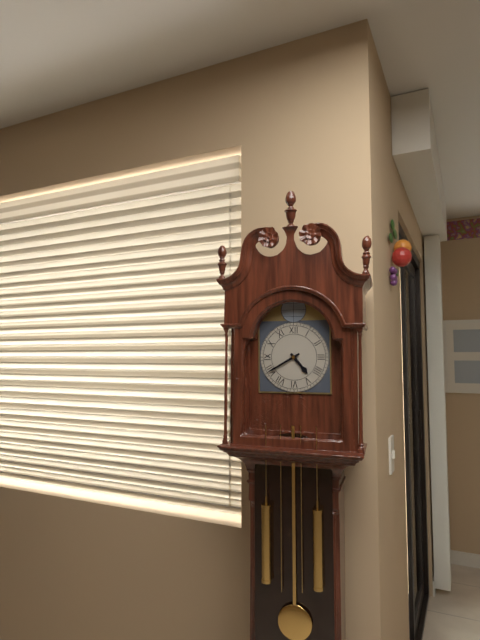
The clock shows 4h40
